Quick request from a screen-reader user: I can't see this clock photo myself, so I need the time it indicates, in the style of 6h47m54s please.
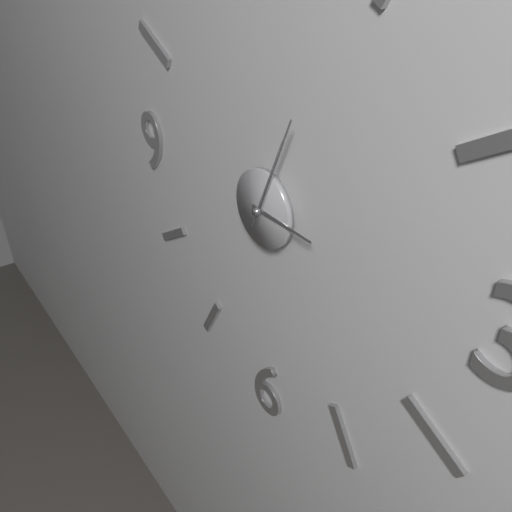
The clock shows 3h04m04s
